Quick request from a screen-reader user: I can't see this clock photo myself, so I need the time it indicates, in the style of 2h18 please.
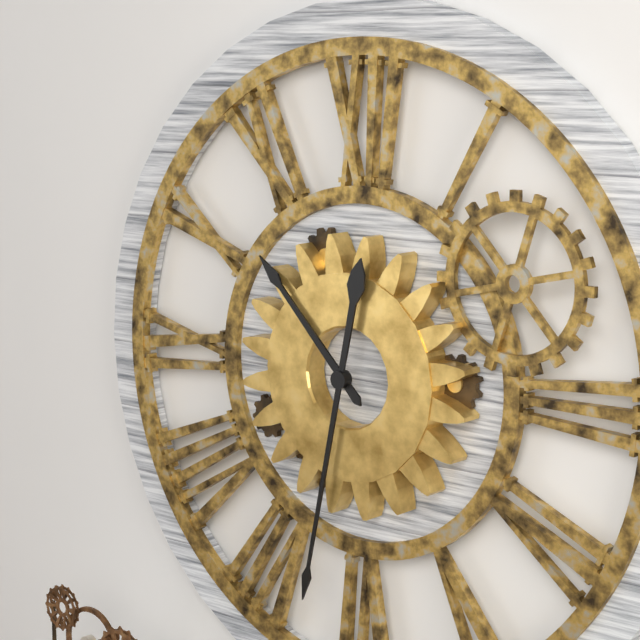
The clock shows 10h32
